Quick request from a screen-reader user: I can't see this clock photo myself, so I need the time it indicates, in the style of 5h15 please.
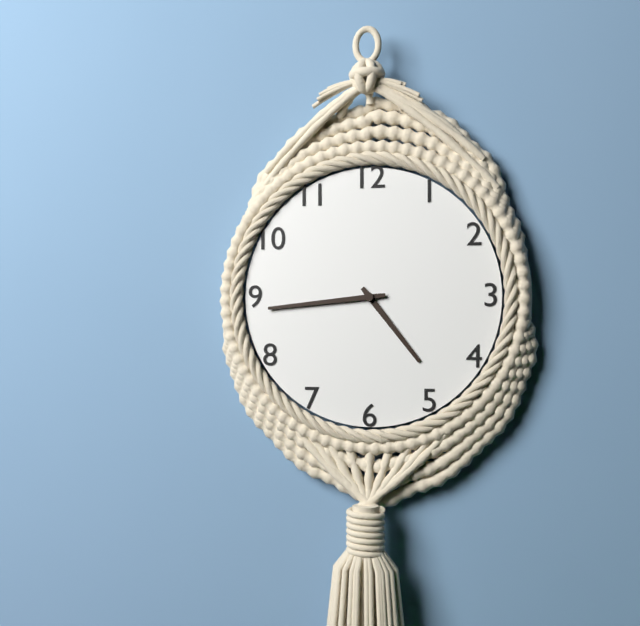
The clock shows 4h44
